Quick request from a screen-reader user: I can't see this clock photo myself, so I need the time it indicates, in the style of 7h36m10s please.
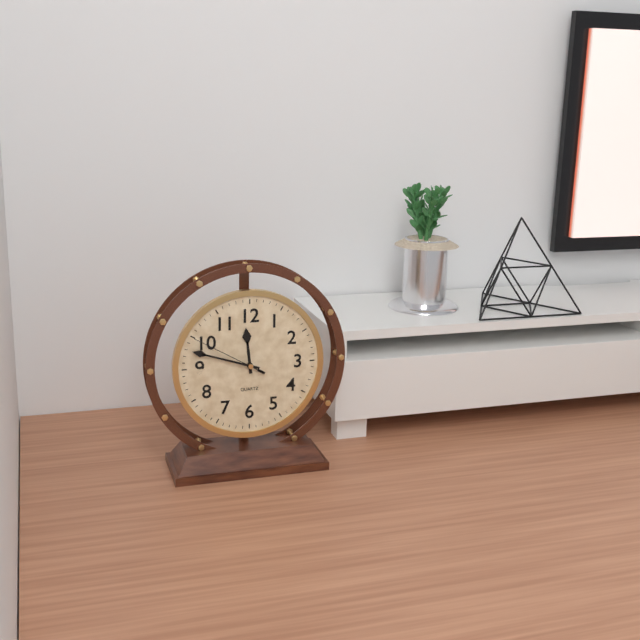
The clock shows 11h48m50s
